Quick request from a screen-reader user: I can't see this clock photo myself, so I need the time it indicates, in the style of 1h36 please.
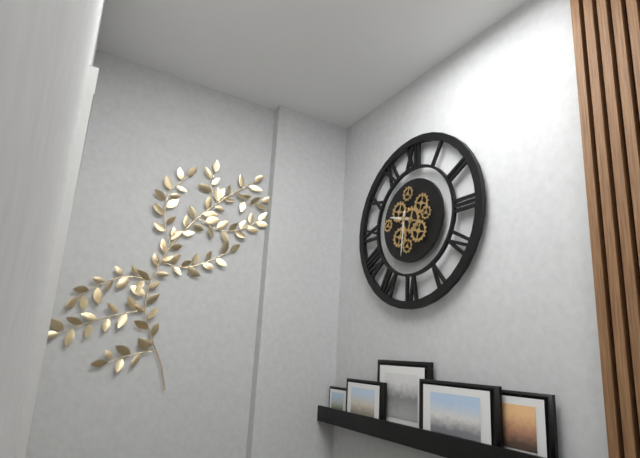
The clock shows 9h31
